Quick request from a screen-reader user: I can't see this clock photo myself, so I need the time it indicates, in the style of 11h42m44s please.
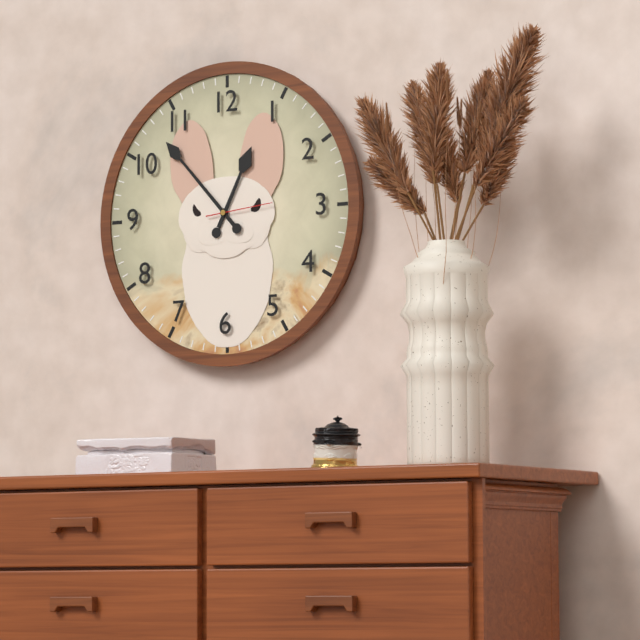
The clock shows 12h53m14s
